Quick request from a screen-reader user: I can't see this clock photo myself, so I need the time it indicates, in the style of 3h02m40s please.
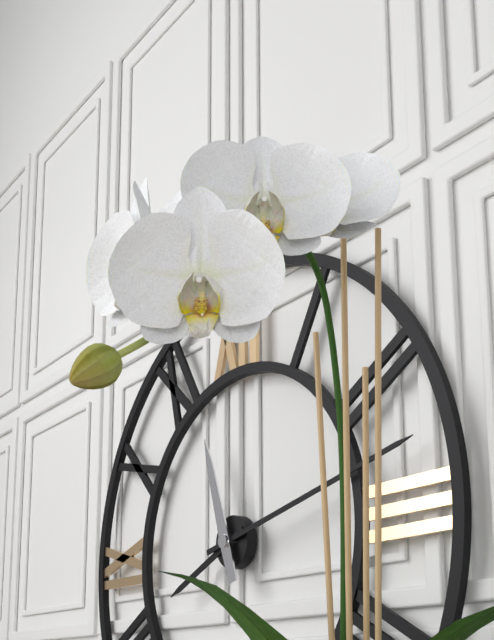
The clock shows 8h13m57s
